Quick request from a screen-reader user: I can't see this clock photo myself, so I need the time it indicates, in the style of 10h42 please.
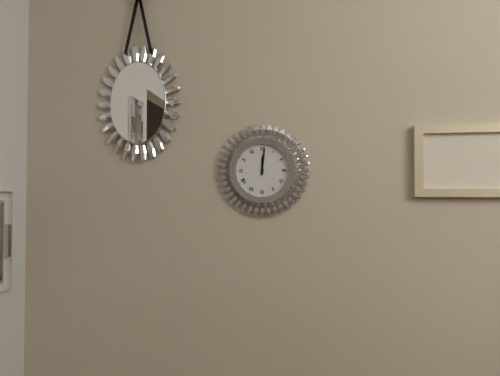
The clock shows 12h01
